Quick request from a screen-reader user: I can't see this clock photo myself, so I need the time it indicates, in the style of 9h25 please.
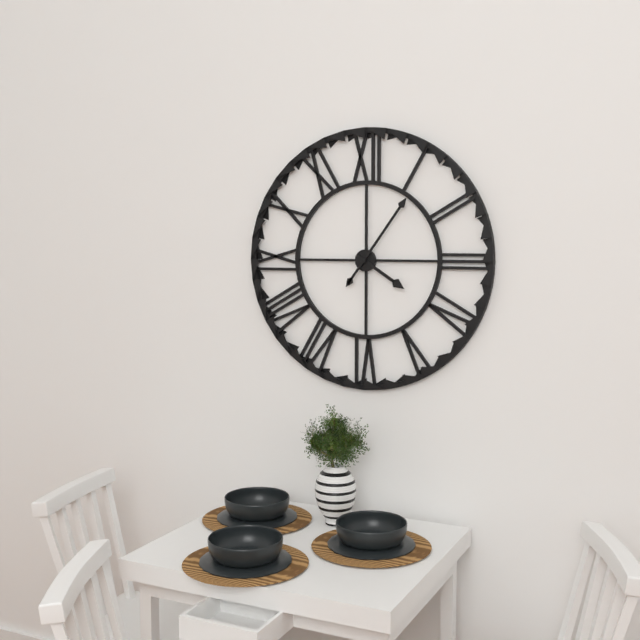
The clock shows 4h06
